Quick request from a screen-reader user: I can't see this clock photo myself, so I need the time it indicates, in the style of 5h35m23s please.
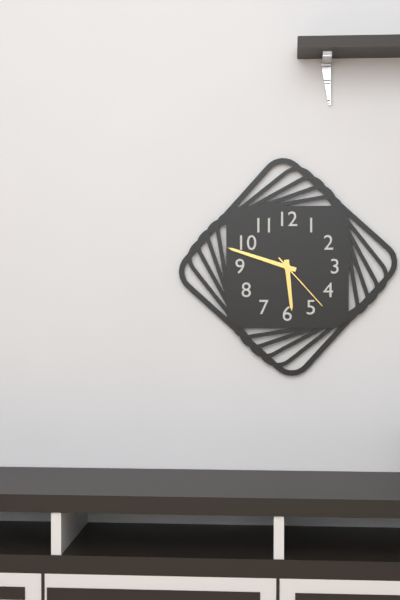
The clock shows 5h48m23s
